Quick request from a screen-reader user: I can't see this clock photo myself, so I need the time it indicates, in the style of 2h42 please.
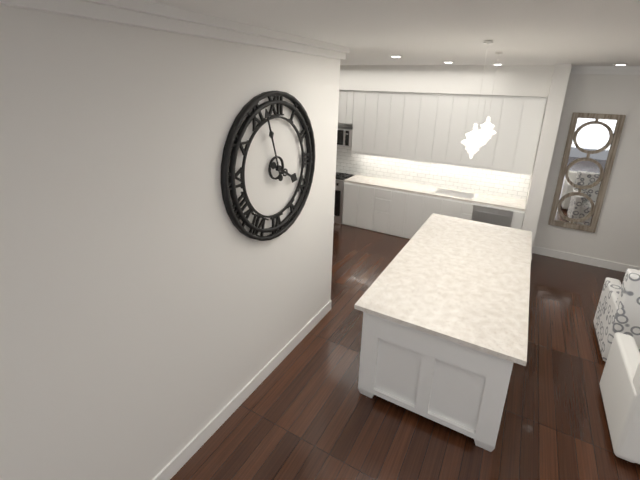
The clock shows 3h57
